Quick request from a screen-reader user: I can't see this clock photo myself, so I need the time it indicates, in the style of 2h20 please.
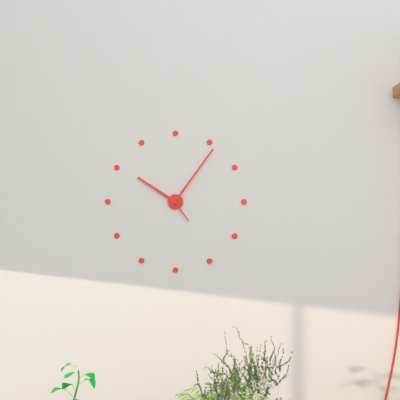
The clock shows 10h06
